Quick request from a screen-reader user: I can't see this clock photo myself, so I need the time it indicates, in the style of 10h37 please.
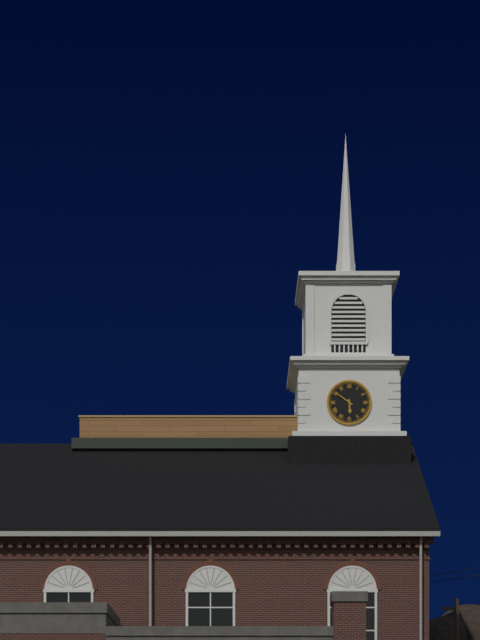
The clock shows 5h51
